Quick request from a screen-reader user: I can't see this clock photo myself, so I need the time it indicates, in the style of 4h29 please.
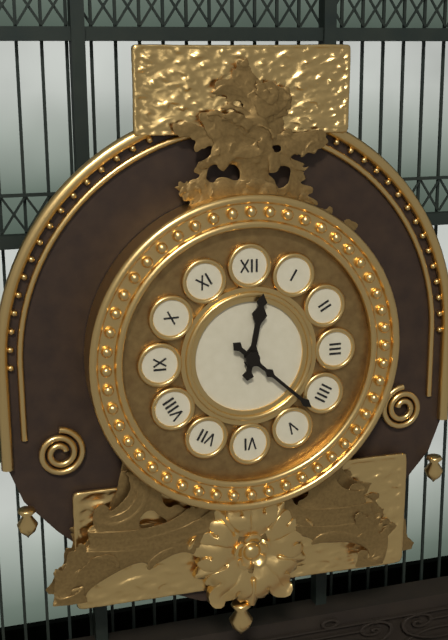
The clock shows 12h22
